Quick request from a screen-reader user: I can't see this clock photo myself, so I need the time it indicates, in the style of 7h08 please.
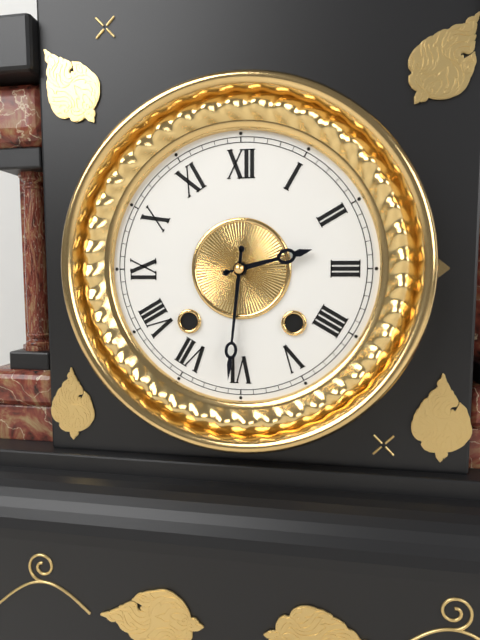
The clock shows 2h31
